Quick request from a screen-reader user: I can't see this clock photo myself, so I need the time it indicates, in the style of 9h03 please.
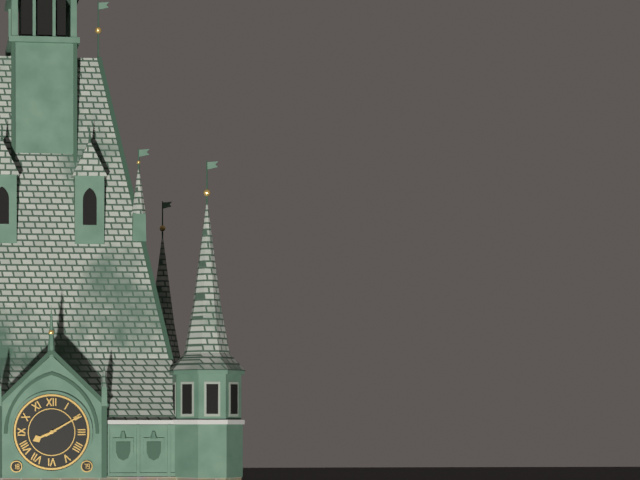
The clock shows 8h10
